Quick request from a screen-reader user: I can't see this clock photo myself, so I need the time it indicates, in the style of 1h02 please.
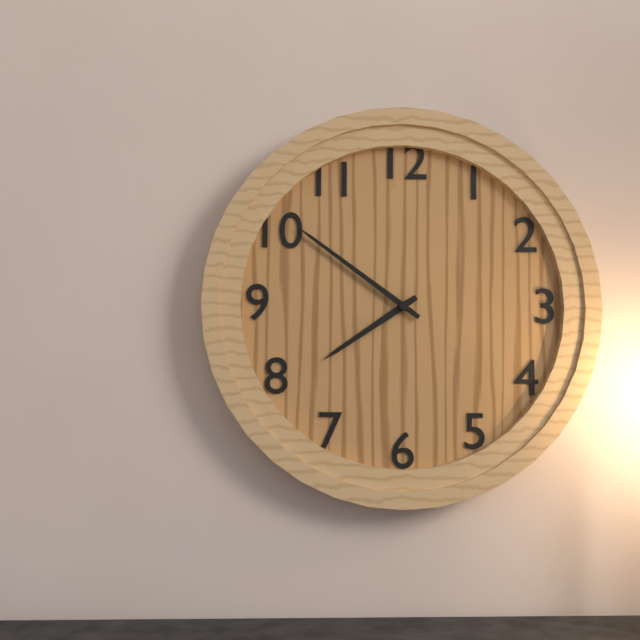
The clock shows 7h51
